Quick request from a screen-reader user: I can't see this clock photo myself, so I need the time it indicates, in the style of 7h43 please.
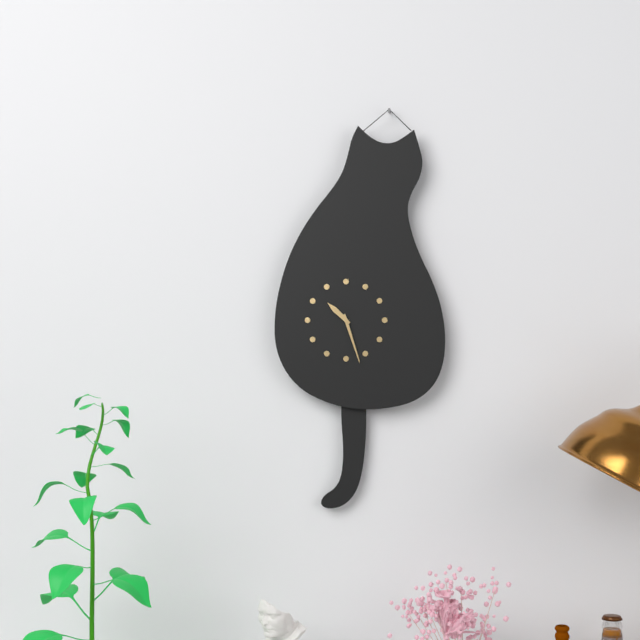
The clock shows 10h27
